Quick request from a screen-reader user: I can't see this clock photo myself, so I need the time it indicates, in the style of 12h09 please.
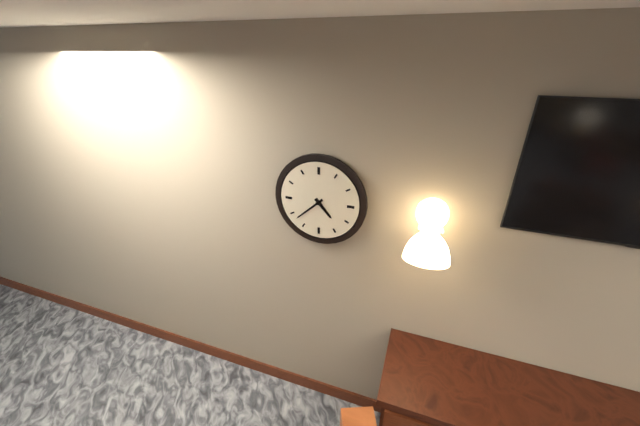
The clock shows 4h38
